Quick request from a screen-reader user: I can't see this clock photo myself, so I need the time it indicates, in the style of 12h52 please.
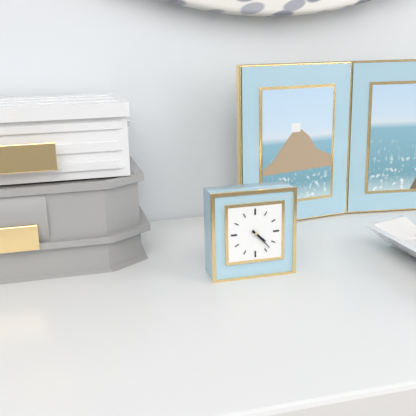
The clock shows 4h23
